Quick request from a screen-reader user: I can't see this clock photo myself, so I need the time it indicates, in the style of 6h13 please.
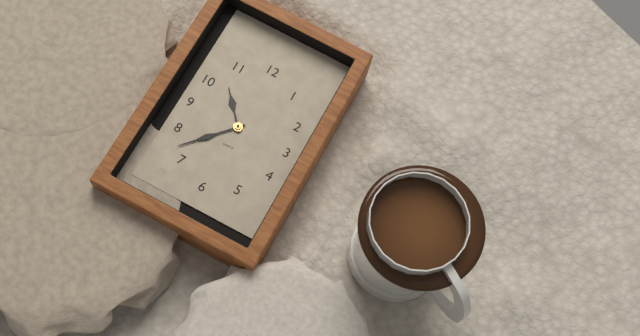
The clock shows 10h37
